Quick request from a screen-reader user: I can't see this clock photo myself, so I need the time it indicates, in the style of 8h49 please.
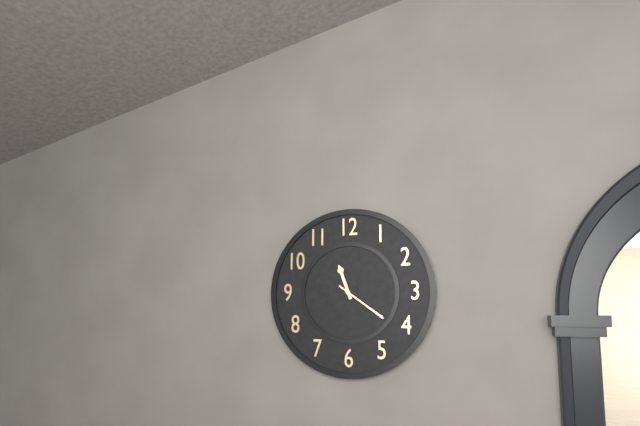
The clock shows 11h21
